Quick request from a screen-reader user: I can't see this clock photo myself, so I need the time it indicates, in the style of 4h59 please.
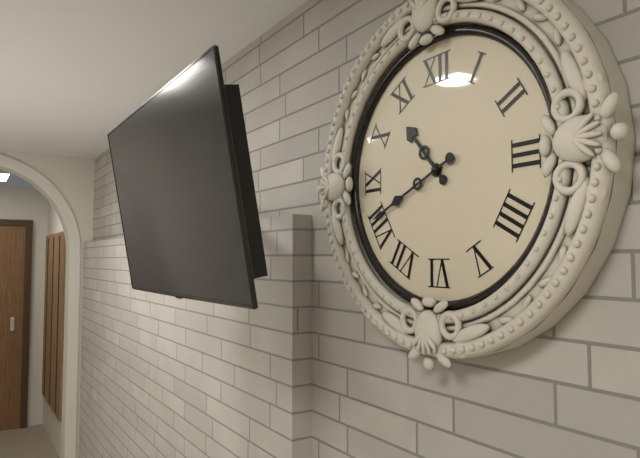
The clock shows 10h41
